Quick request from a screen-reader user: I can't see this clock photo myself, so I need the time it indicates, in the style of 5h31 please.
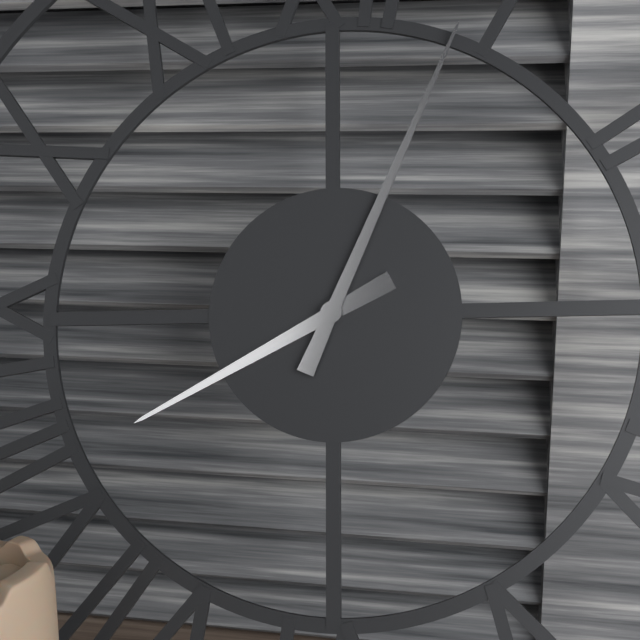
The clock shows 8h04
